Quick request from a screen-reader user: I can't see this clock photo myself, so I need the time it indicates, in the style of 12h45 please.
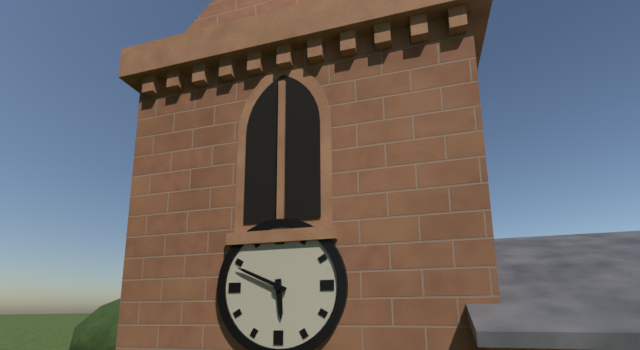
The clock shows 5h49
